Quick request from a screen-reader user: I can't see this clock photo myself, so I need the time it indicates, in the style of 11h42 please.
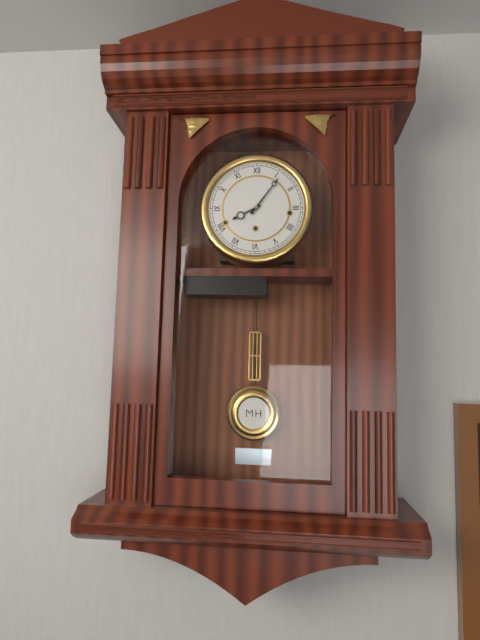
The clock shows 8h06
